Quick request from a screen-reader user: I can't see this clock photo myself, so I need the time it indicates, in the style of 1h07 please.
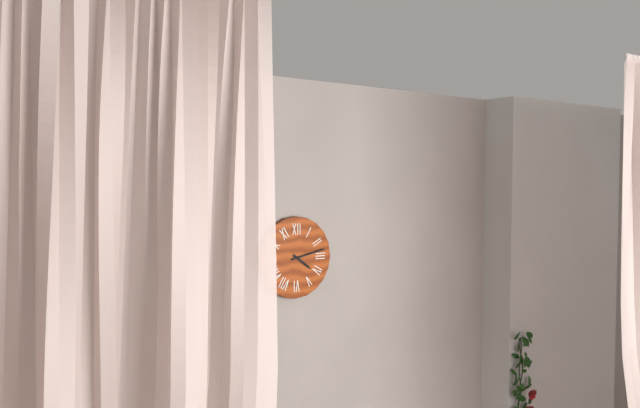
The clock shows 4h13
